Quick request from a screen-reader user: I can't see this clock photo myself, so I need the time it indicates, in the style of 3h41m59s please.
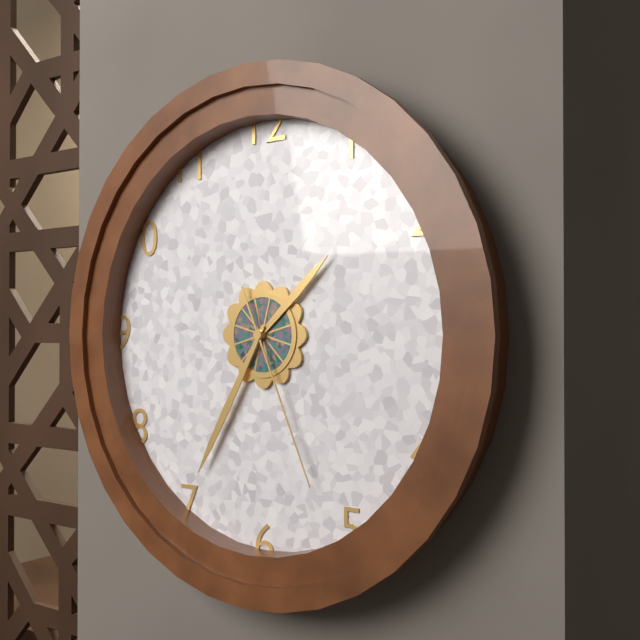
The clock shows 1h35m26s
